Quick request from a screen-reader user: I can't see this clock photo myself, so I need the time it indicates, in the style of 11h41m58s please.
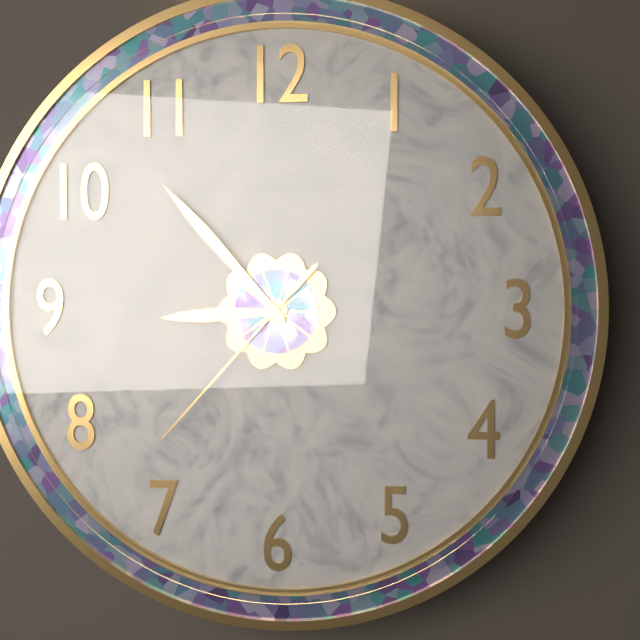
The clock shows 8h53m37s
